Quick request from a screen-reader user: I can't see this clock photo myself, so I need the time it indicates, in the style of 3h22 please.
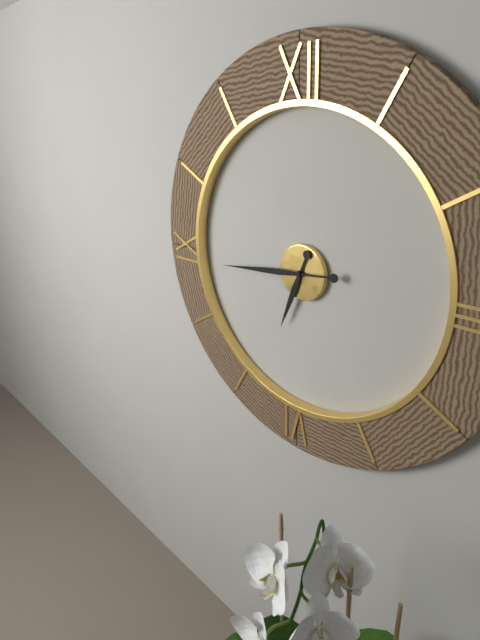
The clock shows 6h44
